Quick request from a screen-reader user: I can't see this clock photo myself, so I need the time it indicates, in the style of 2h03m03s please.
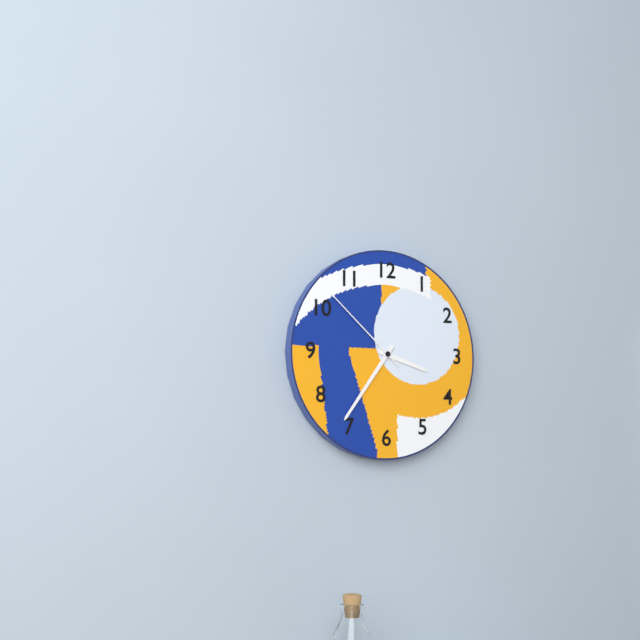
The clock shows 3h36m52s
